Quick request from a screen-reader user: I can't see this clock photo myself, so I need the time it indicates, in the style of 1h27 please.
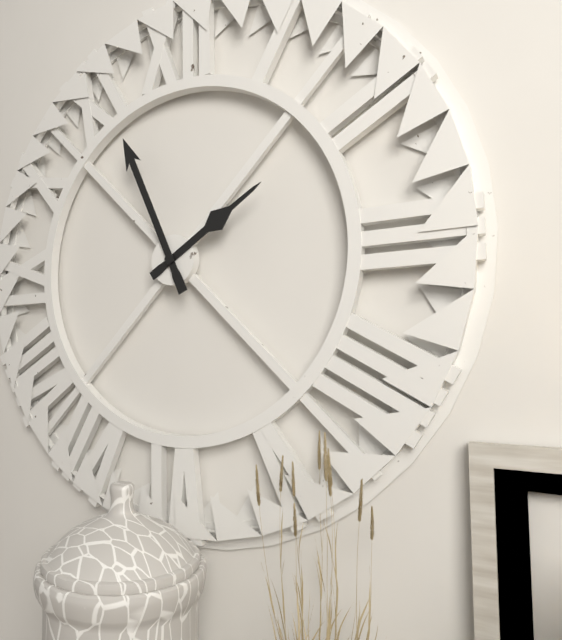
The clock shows 1h56
